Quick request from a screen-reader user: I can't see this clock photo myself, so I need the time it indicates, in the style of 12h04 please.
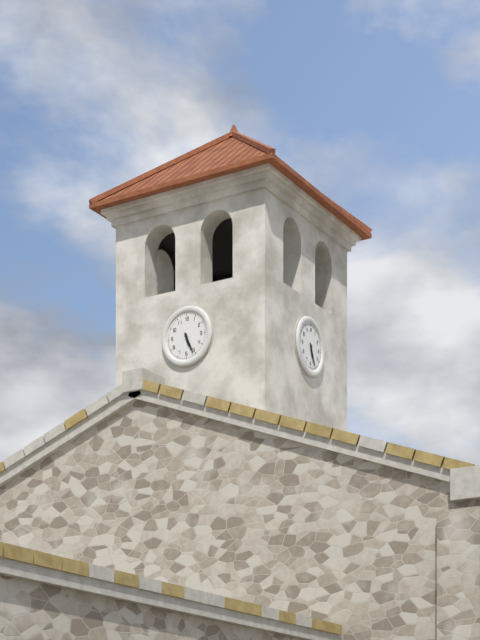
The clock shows 5h26
